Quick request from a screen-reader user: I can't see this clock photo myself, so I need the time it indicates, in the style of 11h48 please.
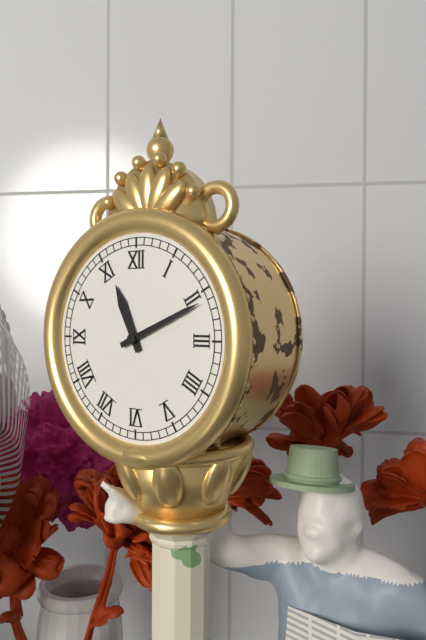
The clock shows 11h11
